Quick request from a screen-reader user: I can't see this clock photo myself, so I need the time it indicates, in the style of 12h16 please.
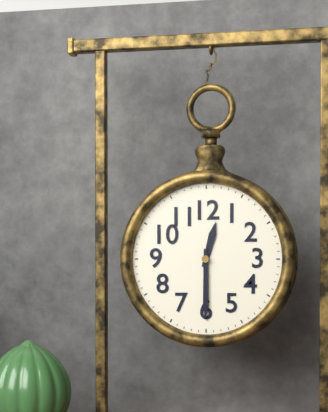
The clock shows 12h30
